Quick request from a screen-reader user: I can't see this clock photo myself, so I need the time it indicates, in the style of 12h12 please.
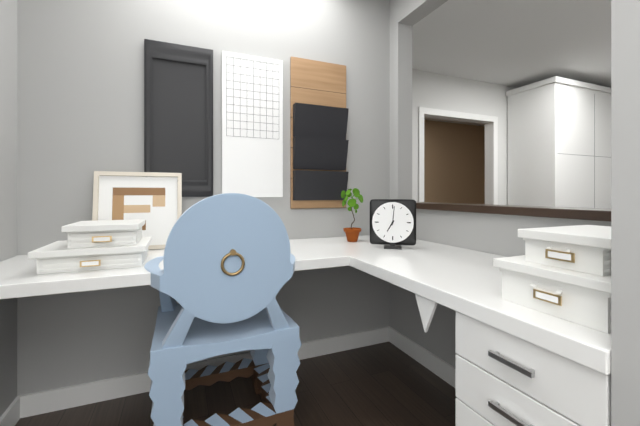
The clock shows 7h01
